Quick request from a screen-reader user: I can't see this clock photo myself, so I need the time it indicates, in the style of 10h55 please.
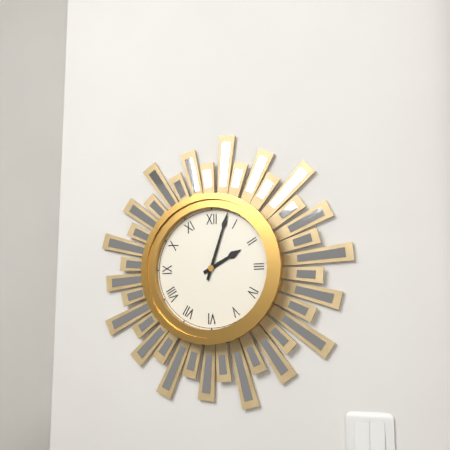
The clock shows 2h03
